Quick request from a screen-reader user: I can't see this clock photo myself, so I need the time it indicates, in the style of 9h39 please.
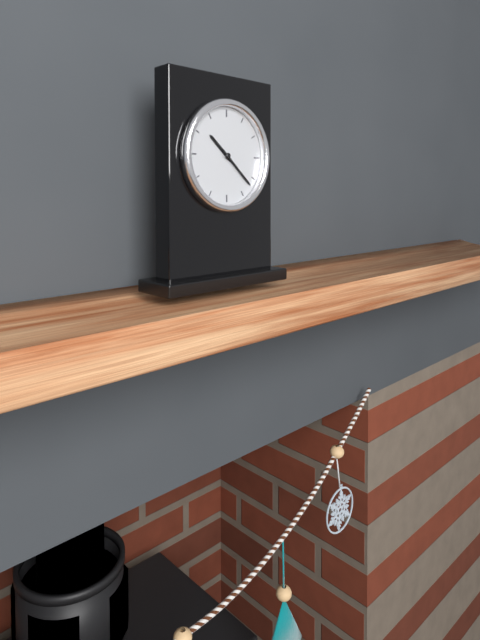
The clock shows 10h22
